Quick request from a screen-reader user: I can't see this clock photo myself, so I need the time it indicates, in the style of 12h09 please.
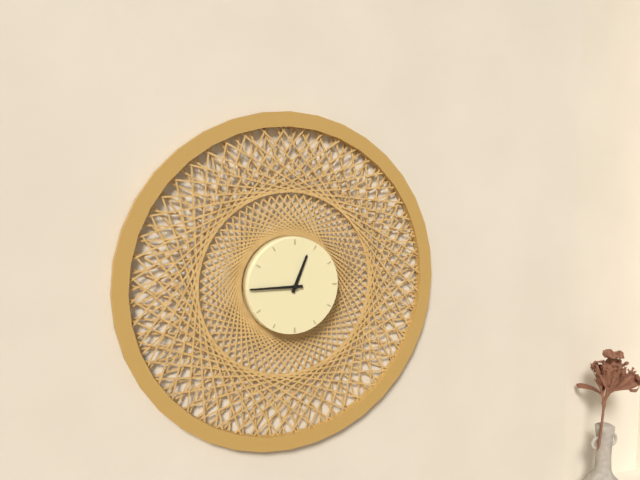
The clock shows 12h45
